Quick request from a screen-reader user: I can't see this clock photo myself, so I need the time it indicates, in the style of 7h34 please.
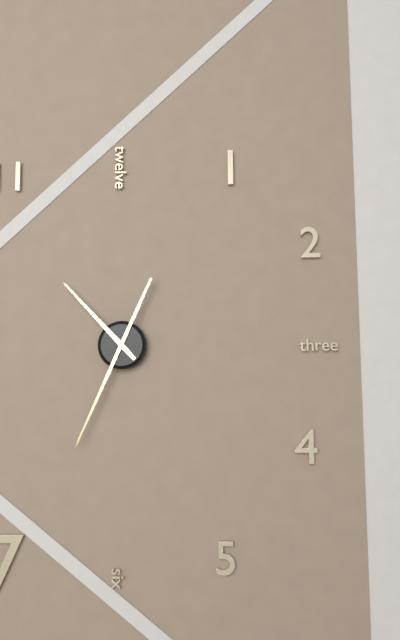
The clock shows 10h34
